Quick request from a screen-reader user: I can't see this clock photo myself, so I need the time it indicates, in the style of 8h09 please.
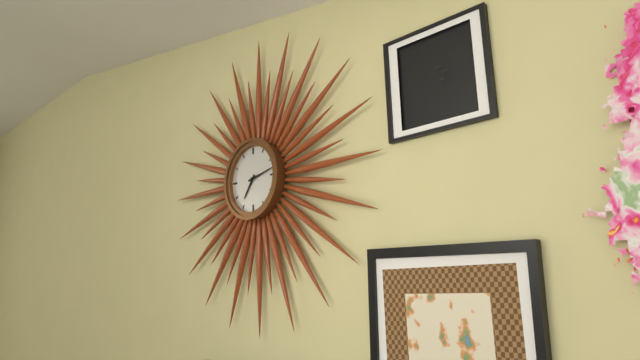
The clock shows 7h13
